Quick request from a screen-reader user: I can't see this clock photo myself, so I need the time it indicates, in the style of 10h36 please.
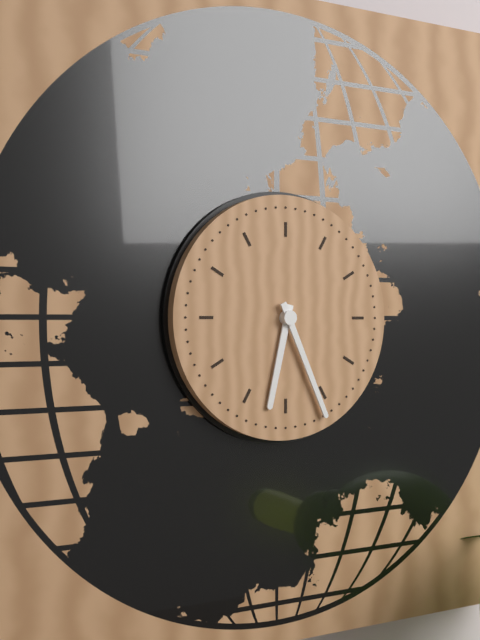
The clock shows 6h26
